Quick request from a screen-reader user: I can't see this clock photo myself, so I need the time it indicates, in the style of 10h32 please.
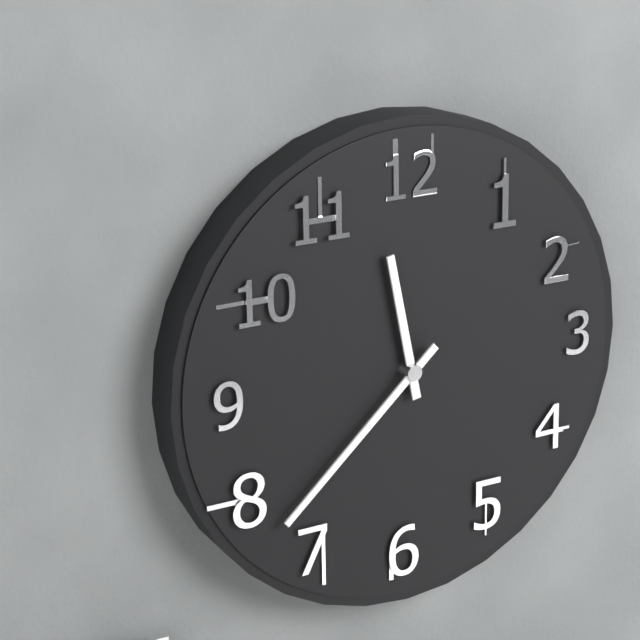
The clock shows 11h38
